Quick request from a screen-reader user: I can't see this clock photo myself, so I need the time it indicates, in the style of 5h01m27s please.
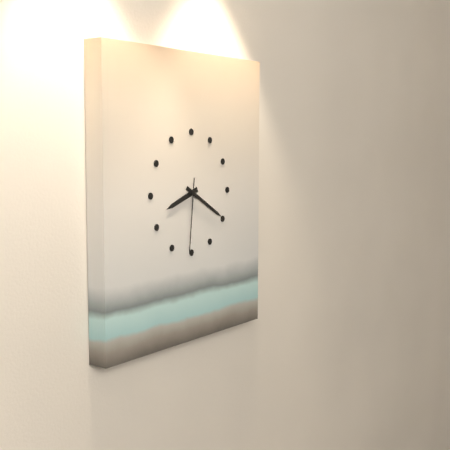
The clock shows 8h20m31s
